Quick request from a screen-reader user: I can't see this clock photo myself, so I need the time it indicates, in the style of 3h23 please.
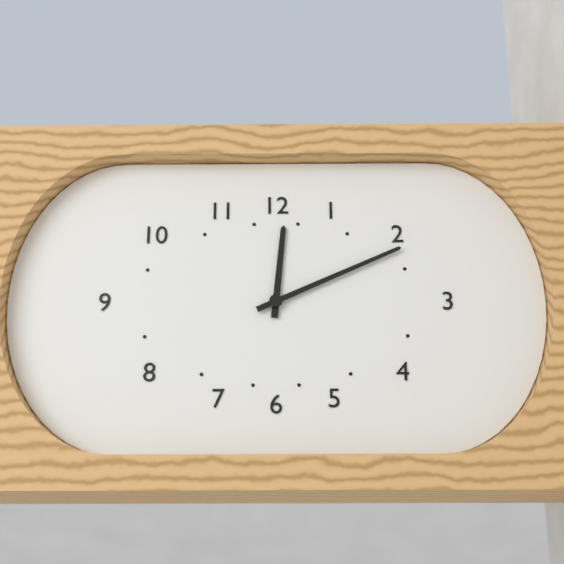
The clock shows 12h11
